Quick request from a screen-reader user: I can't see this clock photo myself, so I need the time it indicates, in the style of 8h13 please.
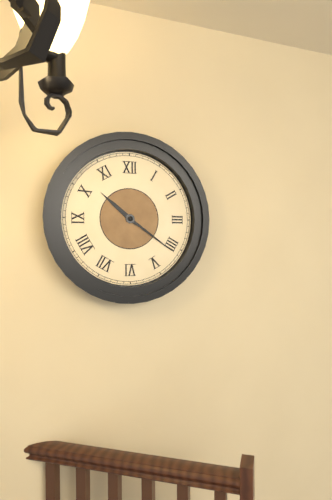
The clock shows 10h21
